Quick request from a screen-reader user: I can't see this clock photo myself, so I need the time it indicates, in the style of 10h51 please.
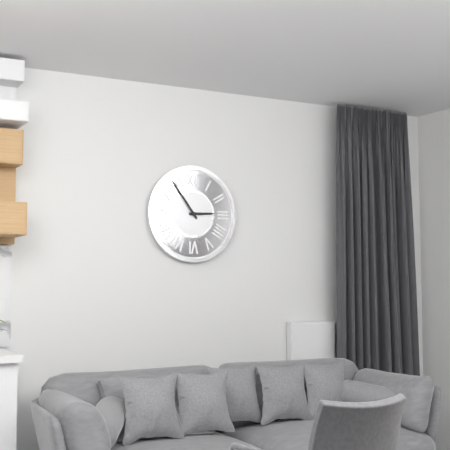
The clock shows 2h54
